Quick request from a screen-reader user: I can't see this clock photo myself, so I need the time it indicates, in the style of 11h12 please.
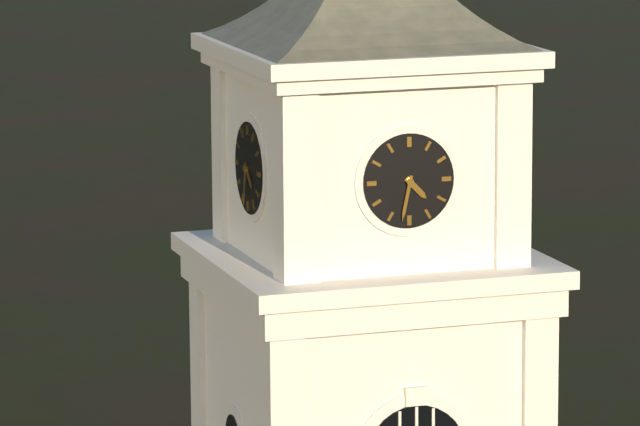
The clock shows 4h32
